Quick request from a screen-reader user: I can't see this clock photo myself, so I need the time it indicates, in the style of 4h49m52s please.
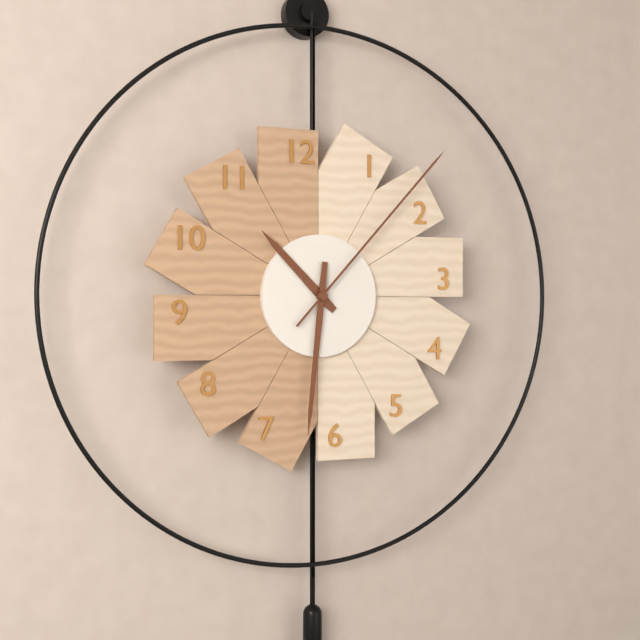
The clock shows 10h31m07s
